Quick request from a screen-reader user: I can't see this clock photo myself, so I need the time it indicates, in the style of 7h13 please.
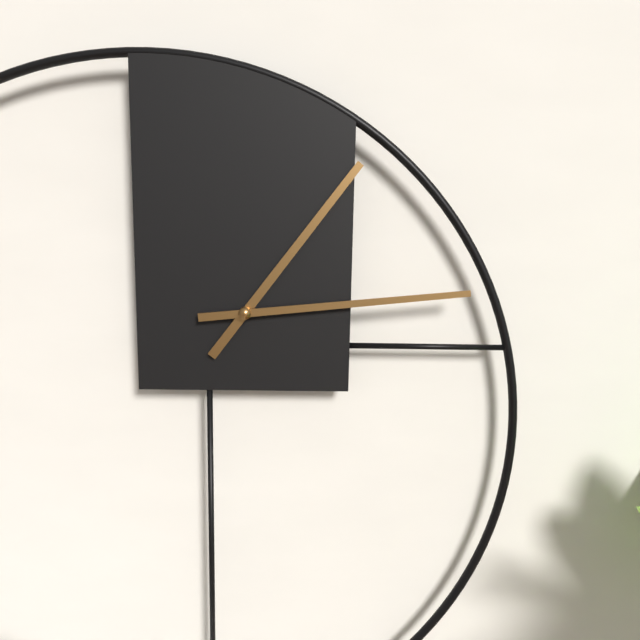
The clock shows 1h14
